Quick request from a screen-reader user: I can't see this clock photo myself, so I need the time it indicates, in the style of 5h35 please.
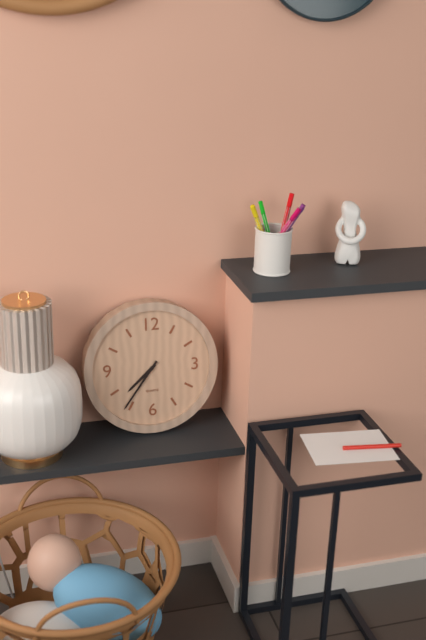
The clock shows 7h36
